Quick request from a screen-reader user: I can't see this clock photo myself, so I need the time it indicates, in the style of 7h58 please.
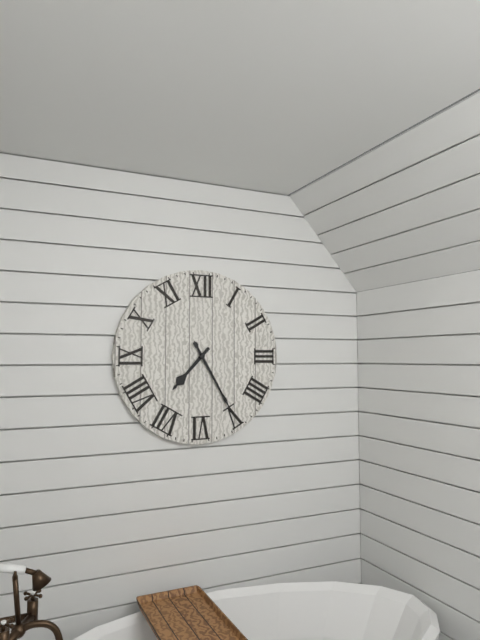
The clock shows 7h25
